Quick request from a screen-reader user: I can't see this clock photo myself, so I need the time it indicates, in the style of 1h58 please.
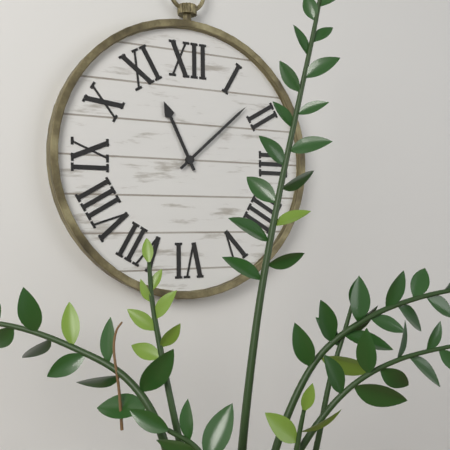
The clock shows 11h08
